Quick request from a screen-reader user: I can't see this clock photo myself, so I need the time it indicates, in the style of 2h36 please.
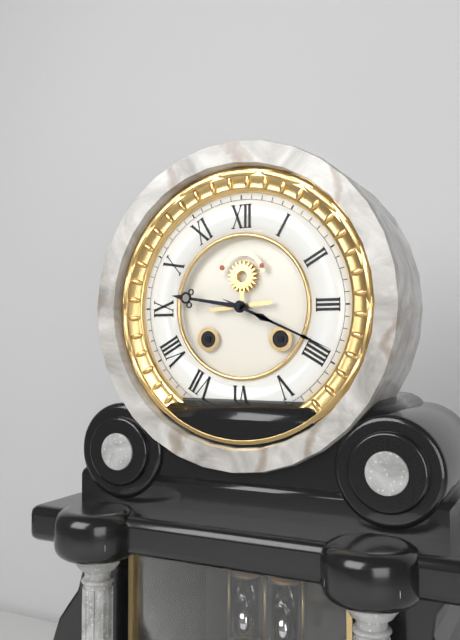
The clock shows 9h19
